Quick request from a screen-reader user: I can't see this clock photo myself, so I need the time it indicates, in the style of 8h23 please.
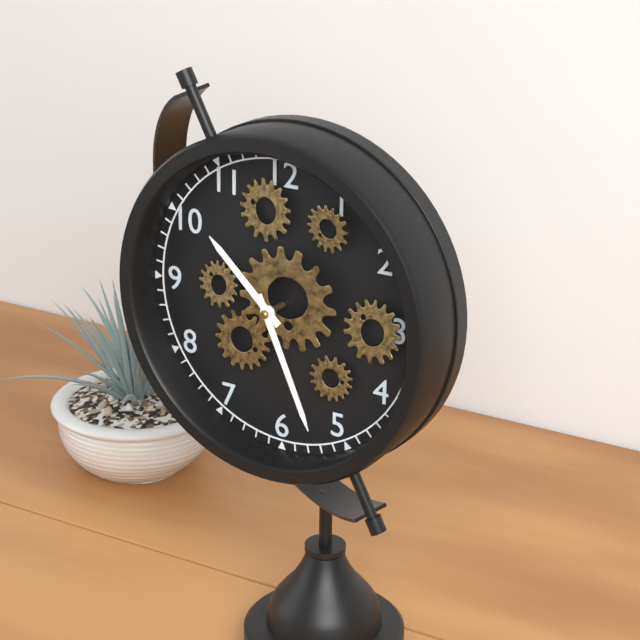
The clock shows 10h26
